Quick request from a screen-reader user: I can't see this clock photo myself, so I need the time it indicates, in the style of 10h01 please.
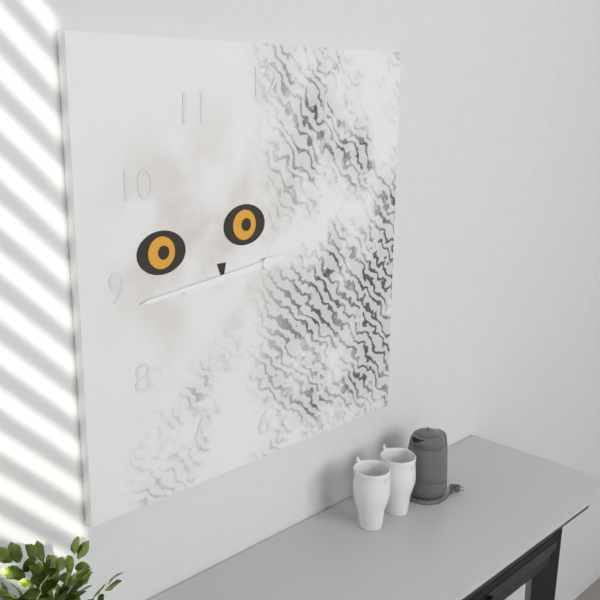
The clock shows 8h44
